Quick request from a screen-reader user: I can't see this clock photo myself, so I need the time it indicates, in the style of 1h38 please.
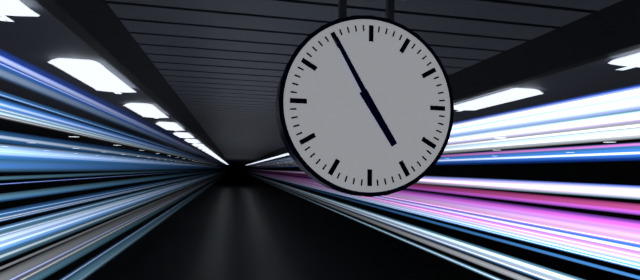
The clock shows 4h55
